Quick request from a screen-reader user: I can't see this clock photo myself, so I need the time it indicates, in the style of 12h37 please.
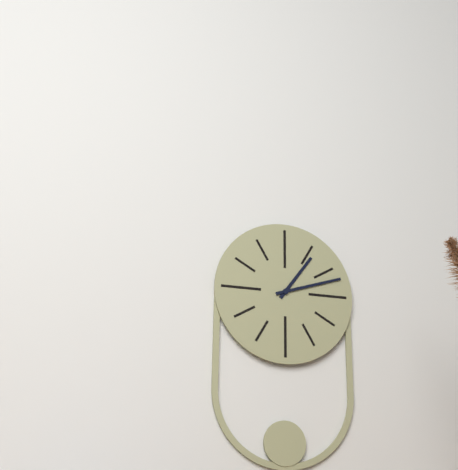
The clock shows 1h12
